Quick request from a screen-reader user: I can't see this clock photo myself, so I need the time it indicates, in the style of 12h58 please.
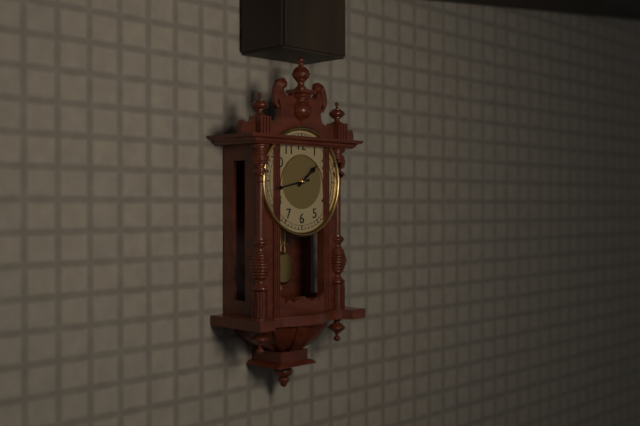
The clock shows 1h43
